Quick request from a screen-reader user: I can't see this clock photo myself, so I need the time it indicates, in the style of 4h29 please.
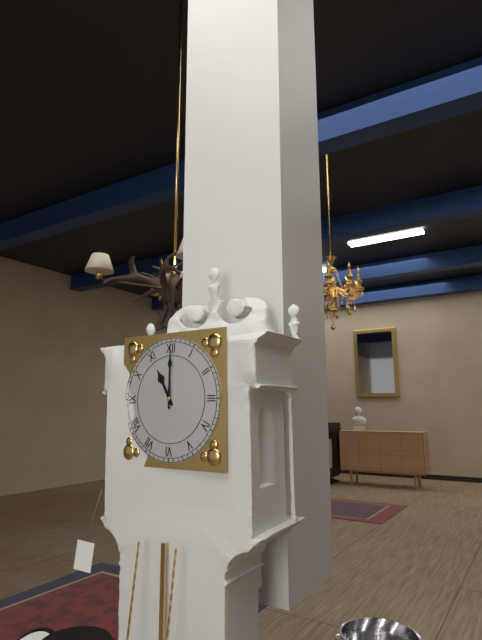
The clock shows 11h00
